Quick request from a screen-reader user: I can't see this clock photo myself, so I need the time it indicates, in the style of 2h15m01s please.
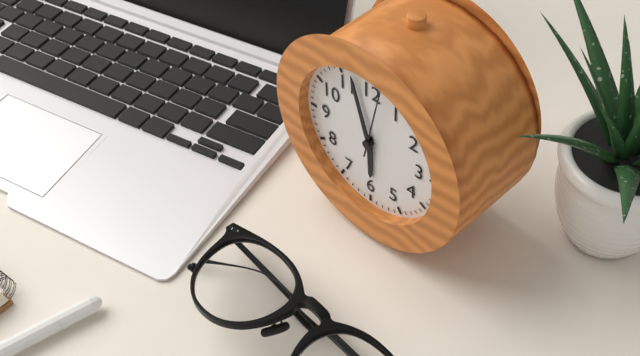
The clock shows 5h57m02s
